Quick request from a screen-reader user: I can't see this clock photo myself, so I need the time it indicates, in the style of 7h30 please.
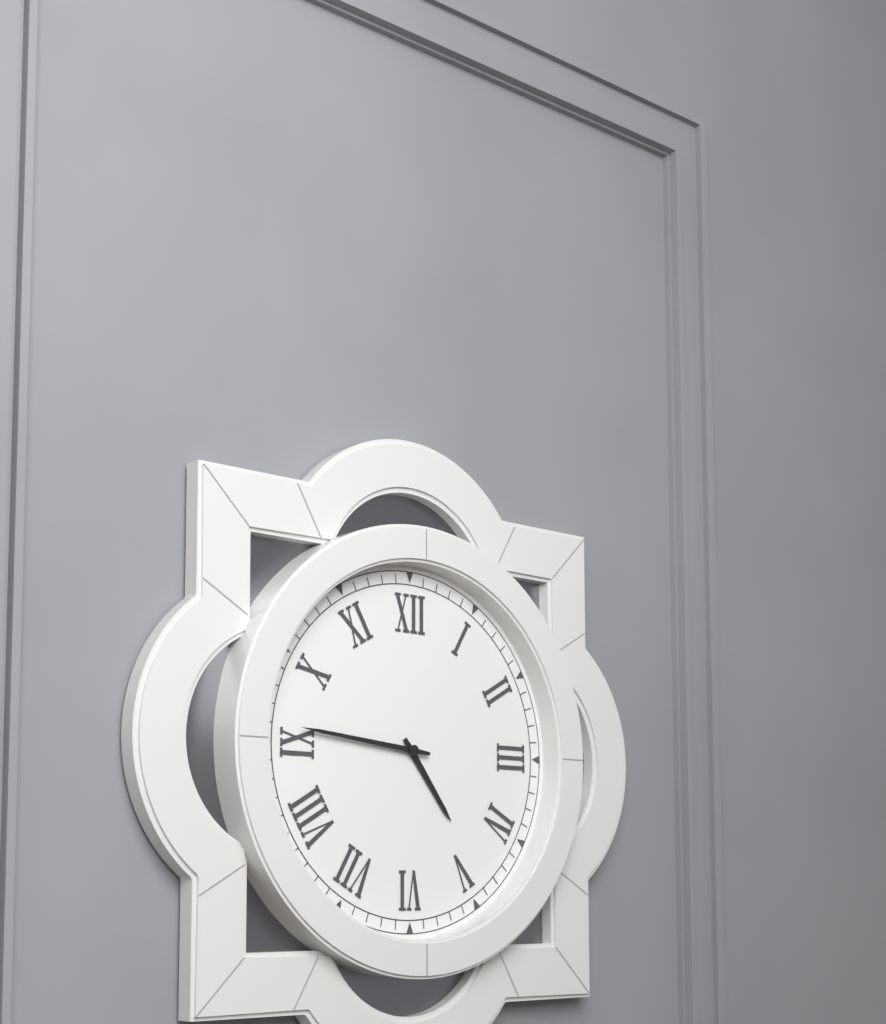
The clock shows 4h46
